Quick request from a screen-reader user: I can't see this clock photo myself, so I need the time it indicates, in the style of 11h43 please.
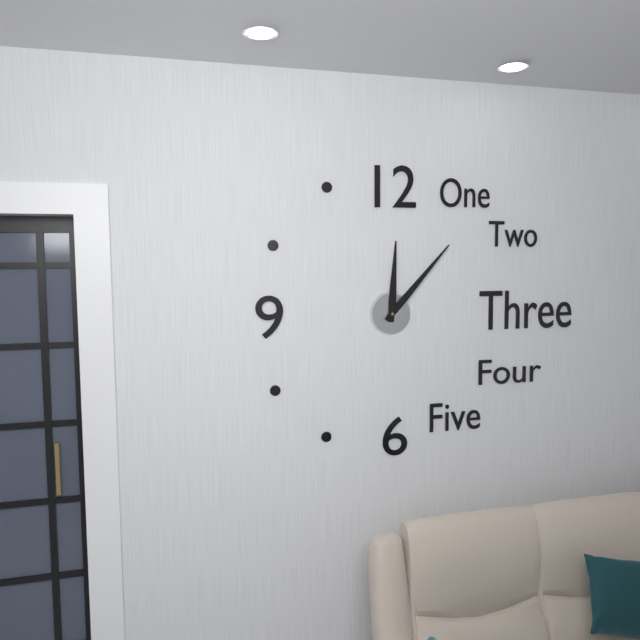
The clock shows 12h07
